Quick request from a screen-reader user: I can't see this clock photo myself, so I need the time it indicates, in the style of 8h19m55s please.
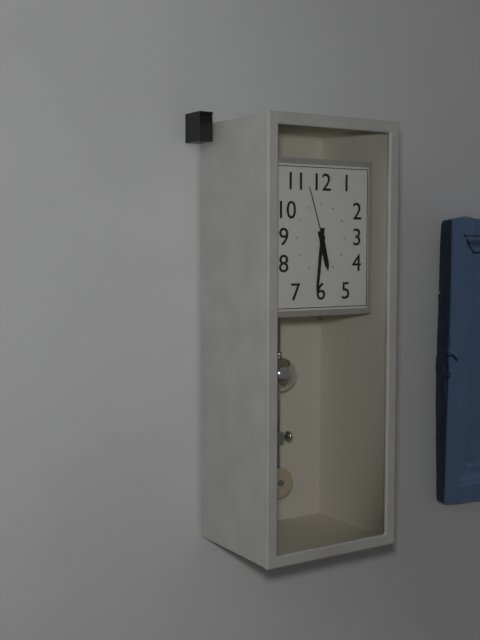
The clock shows 5h31m57s
